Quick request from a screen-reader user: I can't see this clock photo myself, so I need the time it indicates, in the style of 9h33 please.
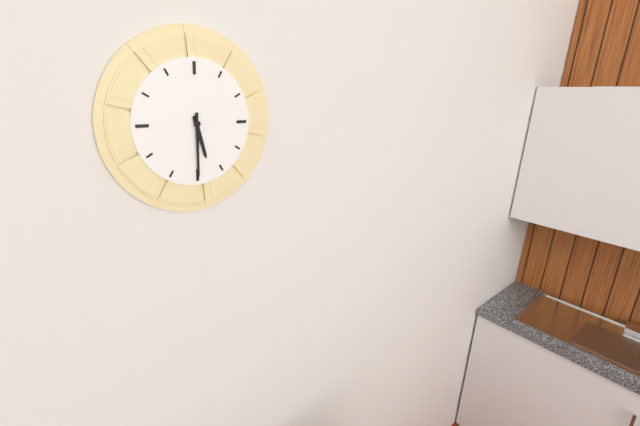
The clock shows 5h30
